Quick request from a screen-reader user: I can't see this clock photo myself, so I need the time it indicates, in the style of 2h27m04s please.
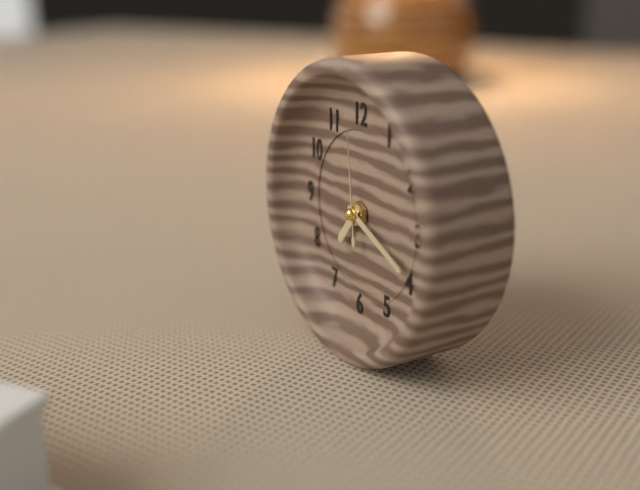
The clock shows 7h19m59s
